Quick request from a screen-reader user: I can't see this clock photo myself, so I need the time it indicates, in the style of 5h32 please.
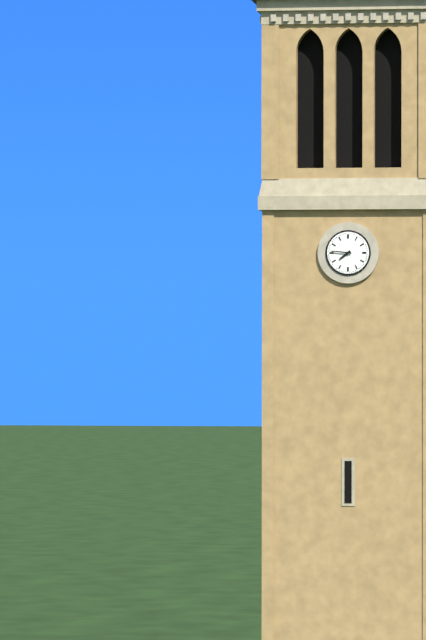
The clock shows 7h46
